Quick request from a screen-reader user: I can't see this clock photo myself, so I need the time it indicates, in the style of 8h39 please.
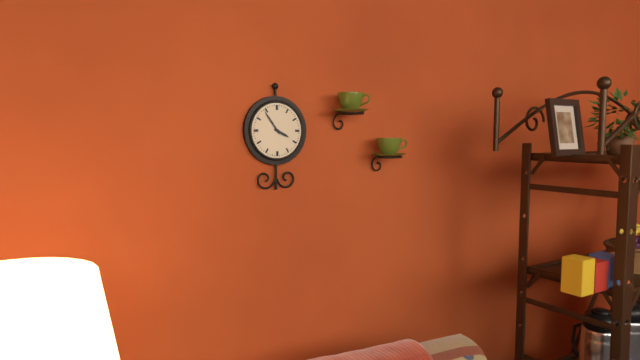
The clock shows 3h54
